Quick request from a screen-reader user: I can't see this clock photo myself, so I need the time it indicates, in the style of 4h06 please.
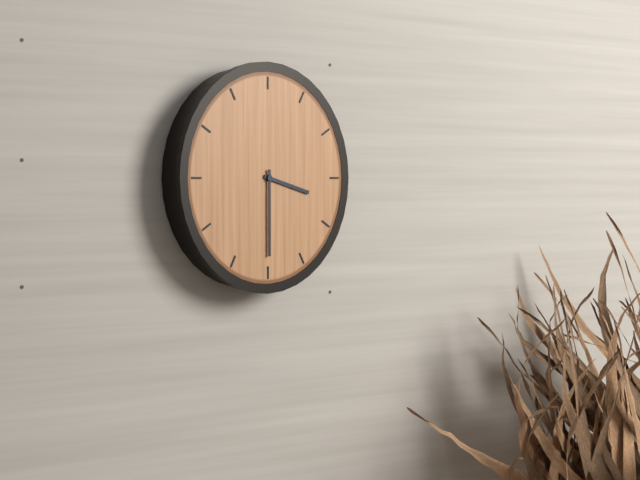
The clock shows 3h30
